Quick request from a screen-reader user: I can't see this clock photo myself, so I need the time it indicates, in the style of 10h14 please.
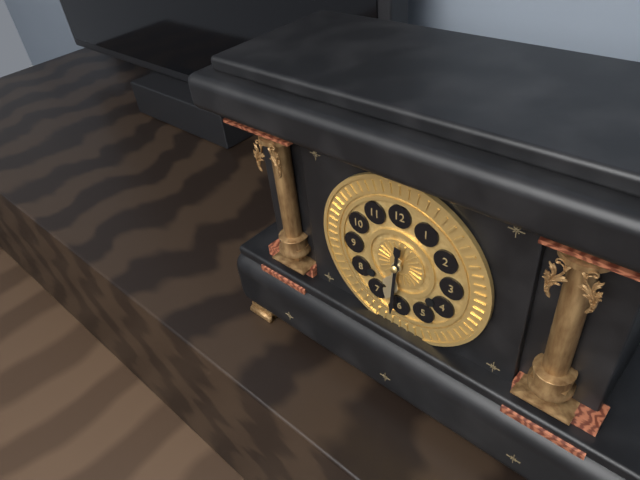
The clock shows 6h31
